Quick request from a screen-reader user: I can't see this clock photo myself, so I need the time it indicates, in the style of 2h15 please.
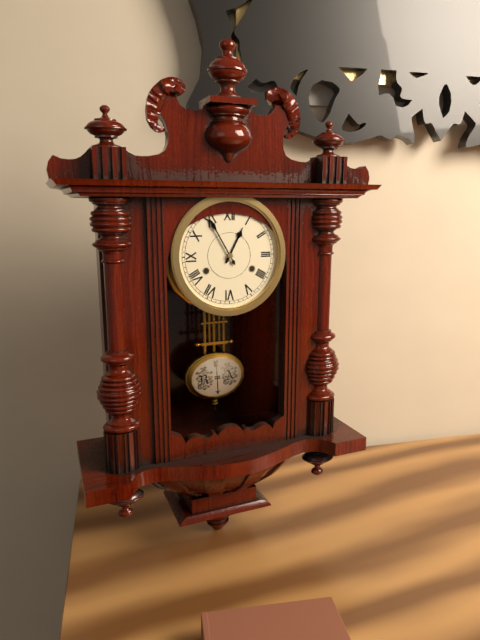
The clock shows 12h55
